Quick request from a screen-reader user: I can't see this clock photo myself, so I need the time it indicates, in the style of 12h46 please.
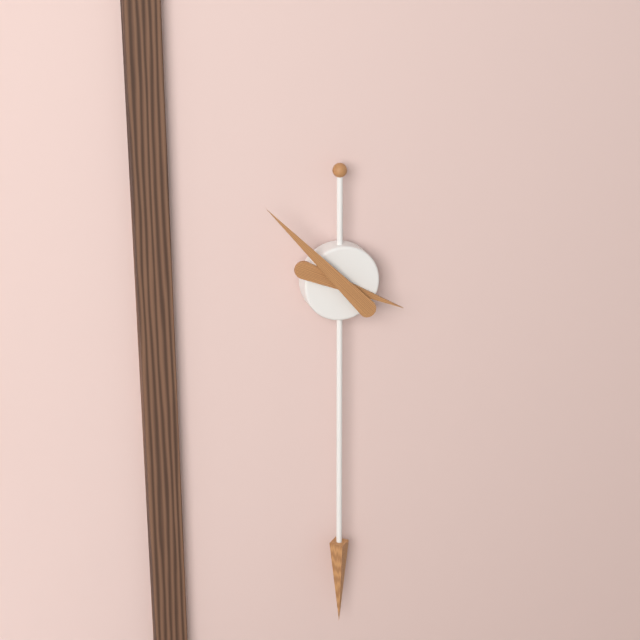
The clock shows 3h53
